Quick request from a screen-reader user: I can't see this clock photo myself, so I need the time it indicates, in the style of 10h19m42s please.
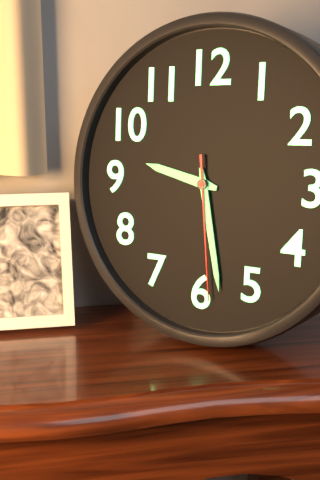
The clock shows 9h28m29s
